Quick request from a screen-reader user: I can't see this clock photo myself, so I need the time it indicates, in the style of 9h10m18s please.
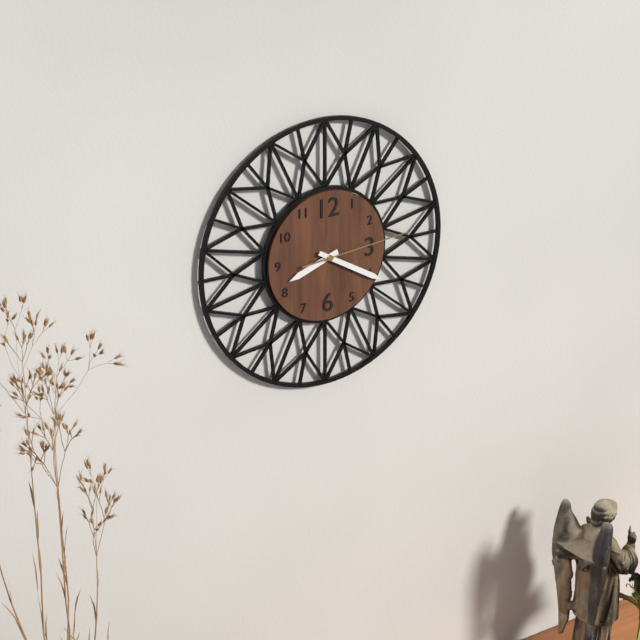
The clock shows 8h20m14s
